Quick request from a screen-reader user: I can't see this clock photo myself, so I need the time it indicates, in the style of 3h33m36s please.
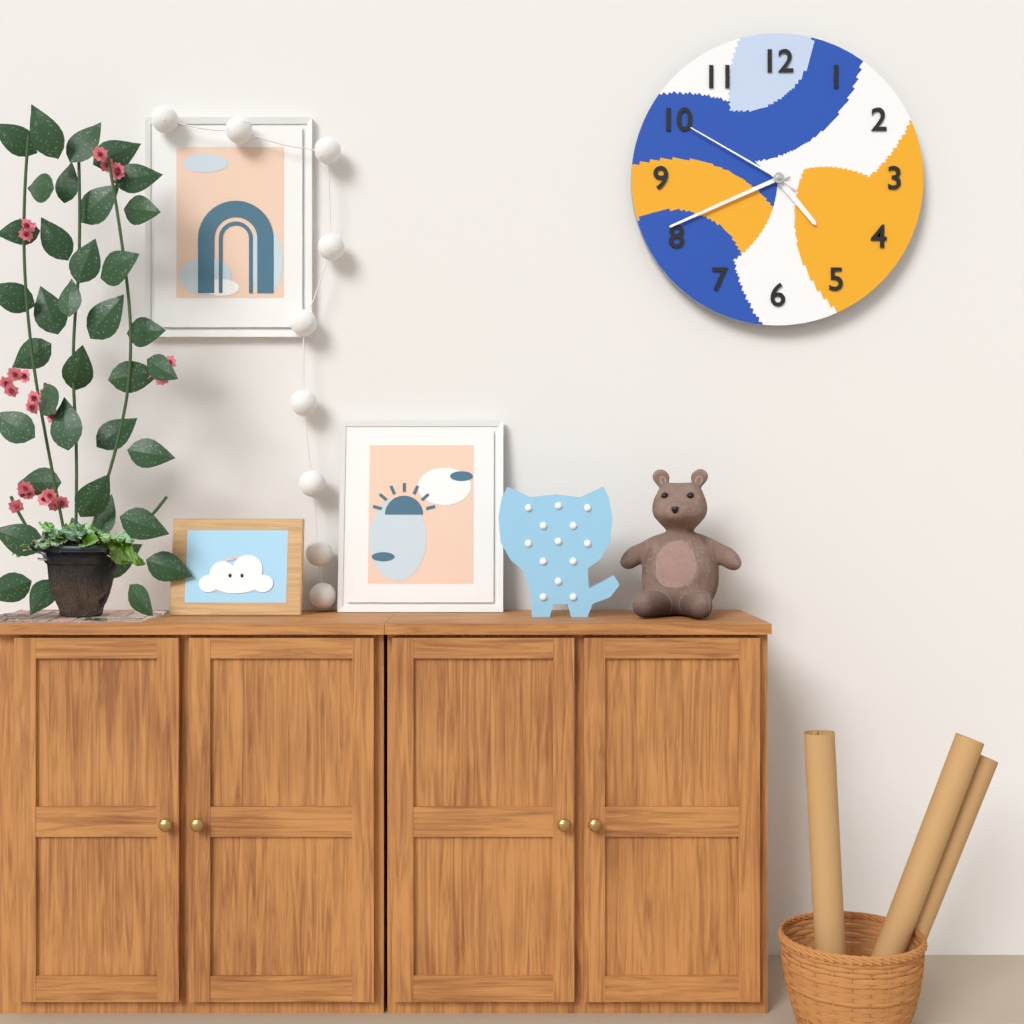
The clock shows 4h41m50s
